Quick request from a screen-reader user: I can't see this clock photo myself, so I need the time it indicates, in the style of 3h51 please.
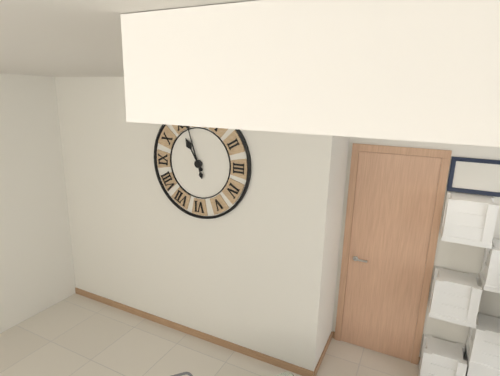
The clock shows 10h57
